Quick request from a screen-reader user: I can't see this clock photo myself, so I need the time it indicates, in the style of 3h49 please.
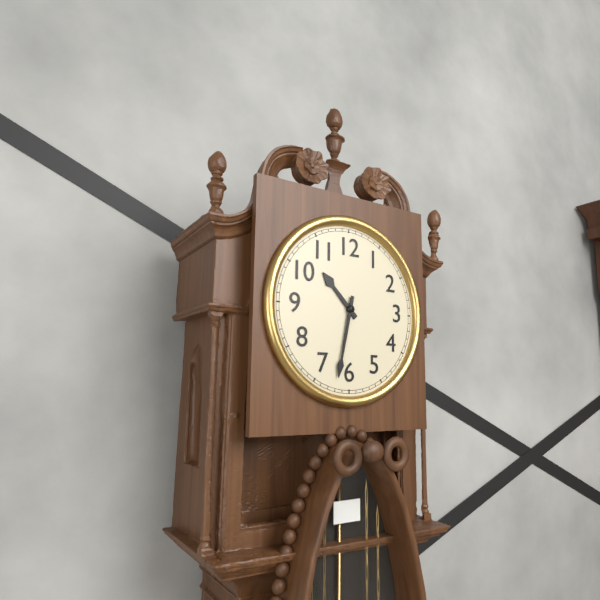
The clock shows 10h32
